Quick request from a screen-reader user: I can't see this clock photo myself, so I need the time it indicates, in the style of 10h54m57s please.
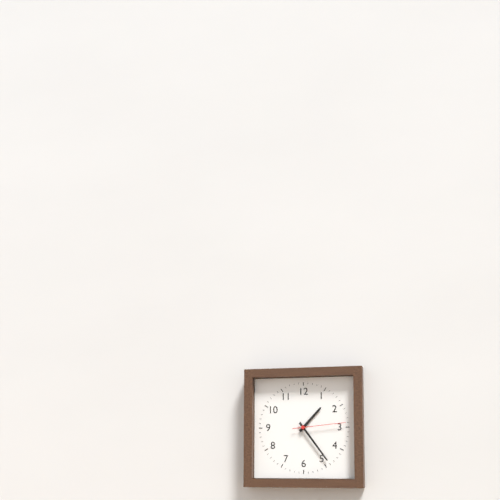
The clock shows 1h24m14s
